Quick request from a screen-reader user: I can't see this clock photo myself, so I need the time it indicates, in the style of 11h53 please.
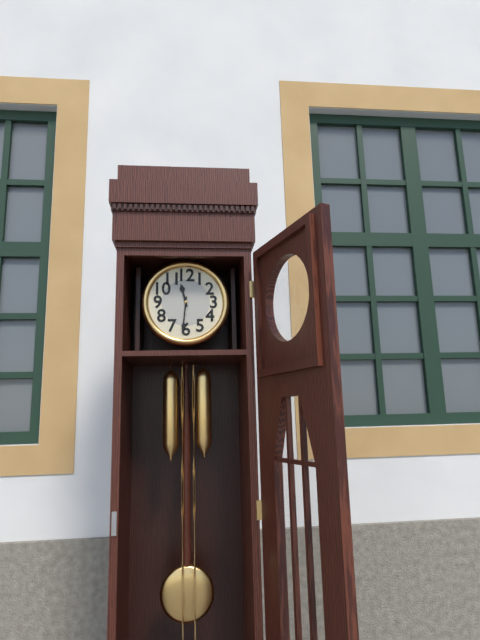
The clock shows 11h31
